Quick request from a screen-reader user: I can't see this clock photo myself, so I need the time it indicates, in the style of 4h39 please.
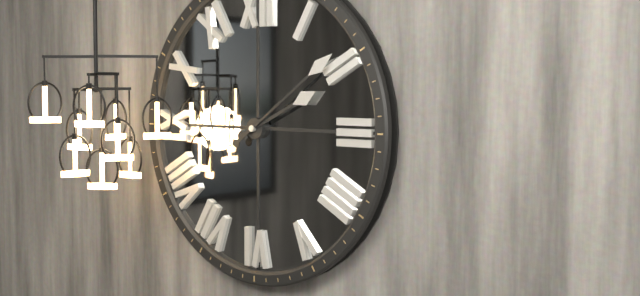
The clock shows 2h09
